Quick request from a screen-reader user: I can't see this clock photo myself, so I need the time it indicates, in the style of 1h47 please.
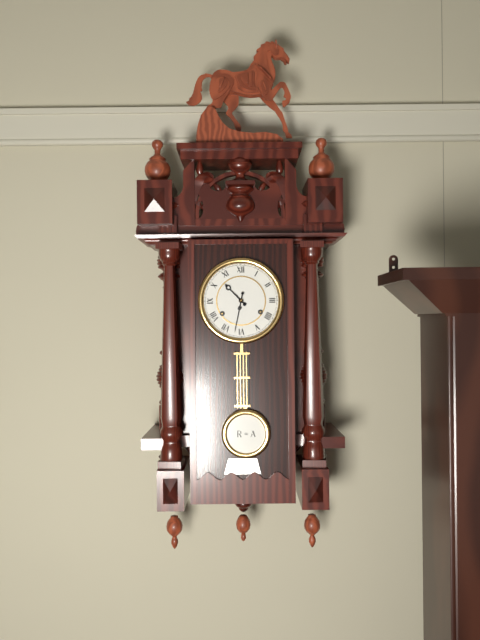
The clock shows 10h32
